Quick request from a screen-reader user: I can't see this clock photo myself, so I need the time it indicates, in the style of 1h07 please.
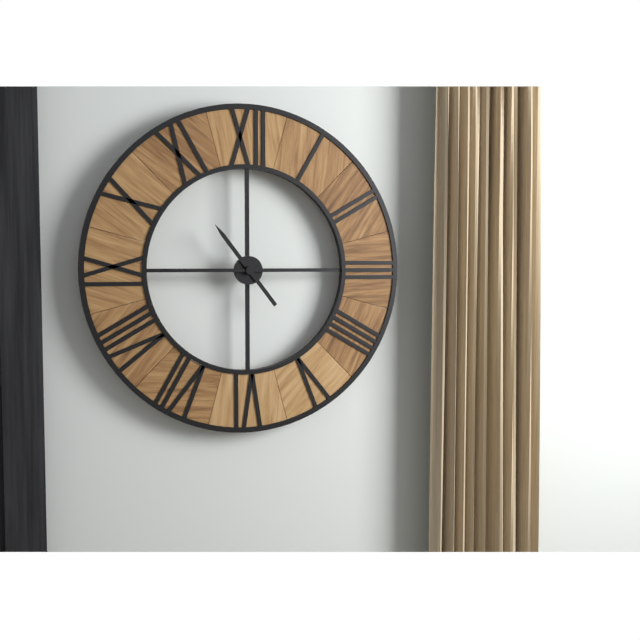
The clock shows 10h45
